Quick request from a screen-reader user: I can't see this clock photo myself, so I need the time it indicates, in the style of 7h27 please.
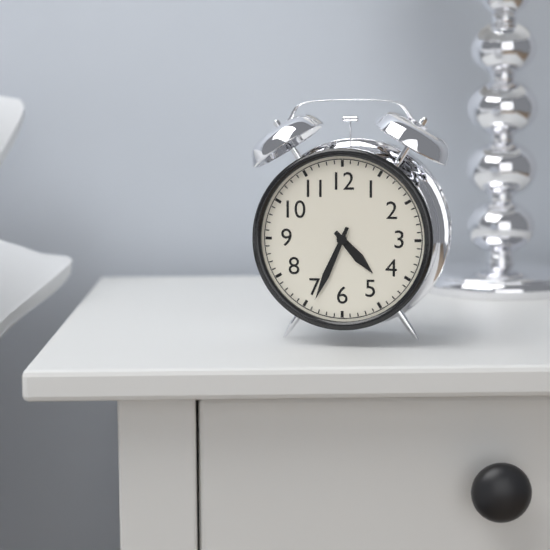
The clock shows 4h34
